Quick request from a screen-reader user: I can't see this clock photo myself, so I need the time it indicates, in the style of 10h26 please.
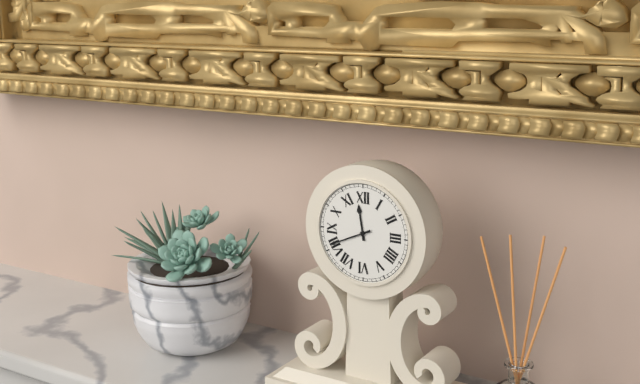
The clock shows 11h41
